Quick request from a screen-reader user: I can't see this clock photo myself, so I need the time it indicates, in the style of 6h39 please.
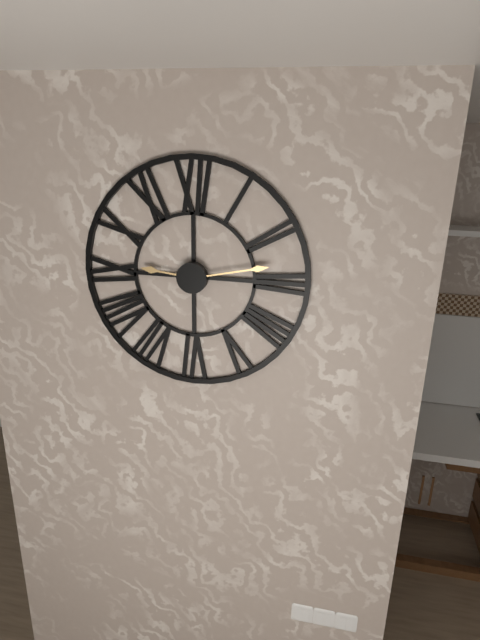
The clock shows 9h13
